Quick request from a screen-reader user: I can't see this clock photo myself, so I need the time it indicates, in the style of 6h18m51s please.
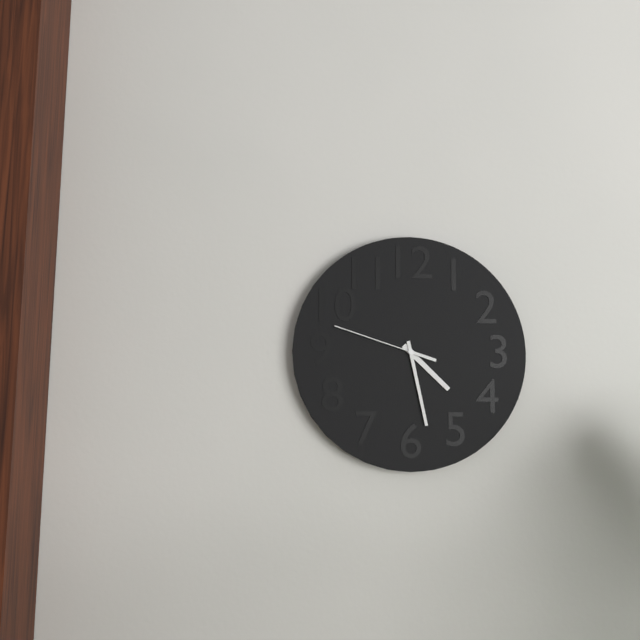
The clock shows 4h28m48s
